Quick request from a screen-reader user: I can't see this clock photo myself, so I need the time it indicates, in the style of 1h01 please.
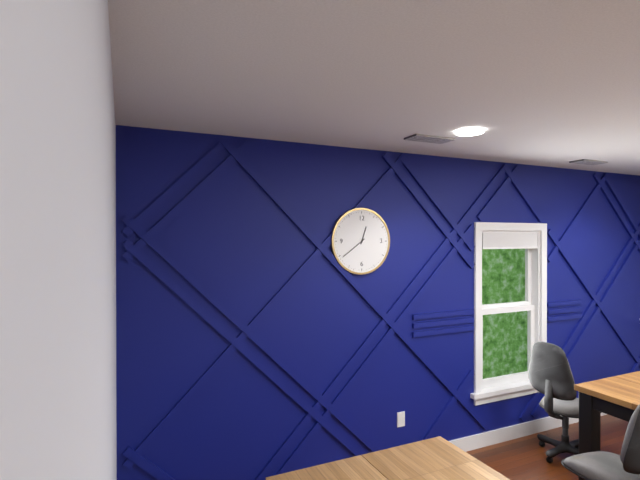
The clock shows 12h39
